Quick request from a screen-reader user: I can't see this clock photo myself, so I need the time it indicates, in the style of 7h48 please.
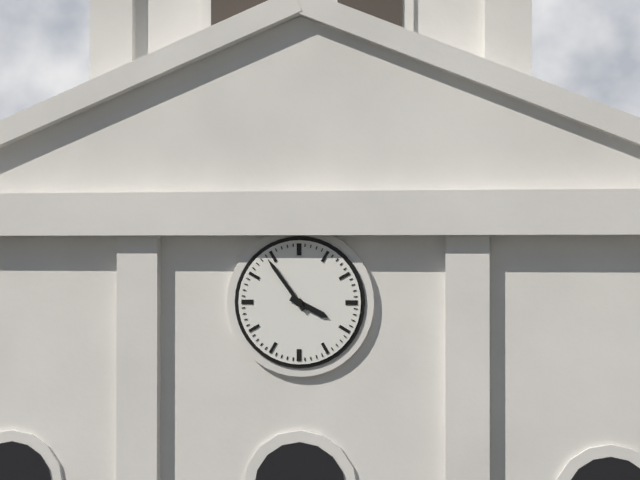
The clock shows 3h54
